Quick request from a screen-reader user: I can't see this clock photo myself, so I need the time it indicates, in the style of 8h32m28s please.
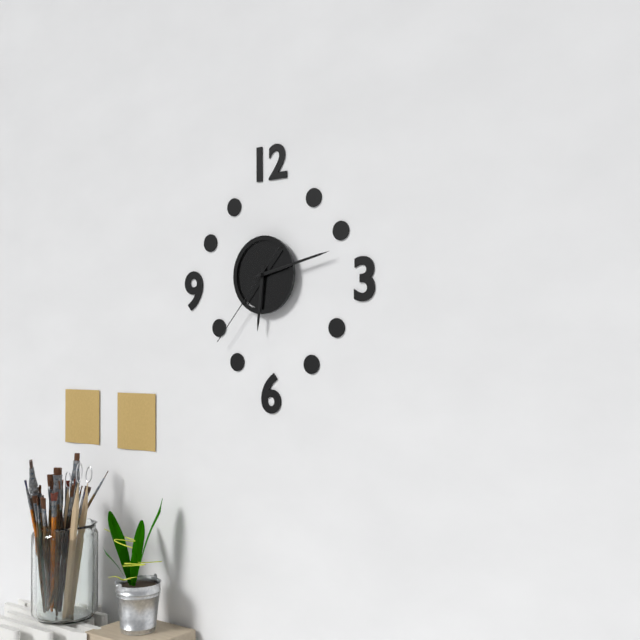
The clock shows 6h13m37s
